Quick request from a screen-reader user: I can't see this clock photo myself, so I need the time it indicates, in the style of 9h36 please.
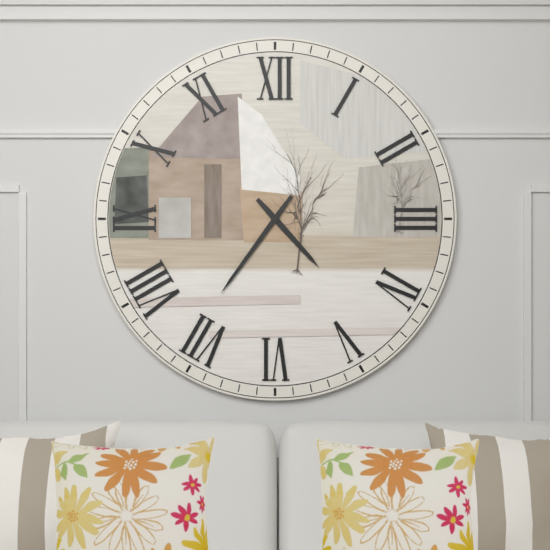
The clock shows 4h36
